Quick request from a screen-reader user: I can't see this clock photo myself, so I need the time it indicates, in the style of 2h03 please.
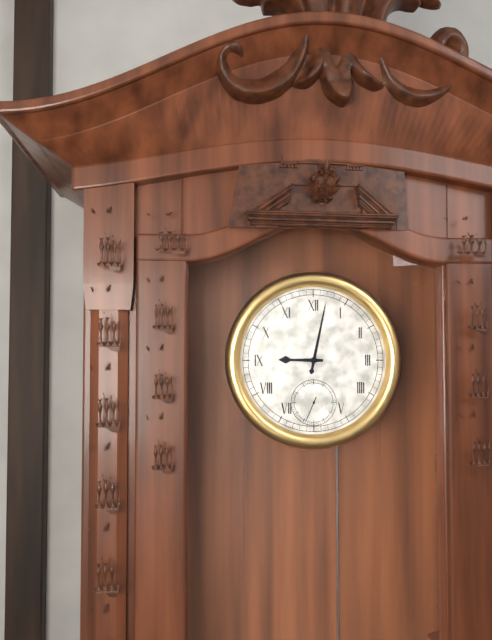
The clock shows 9h02
